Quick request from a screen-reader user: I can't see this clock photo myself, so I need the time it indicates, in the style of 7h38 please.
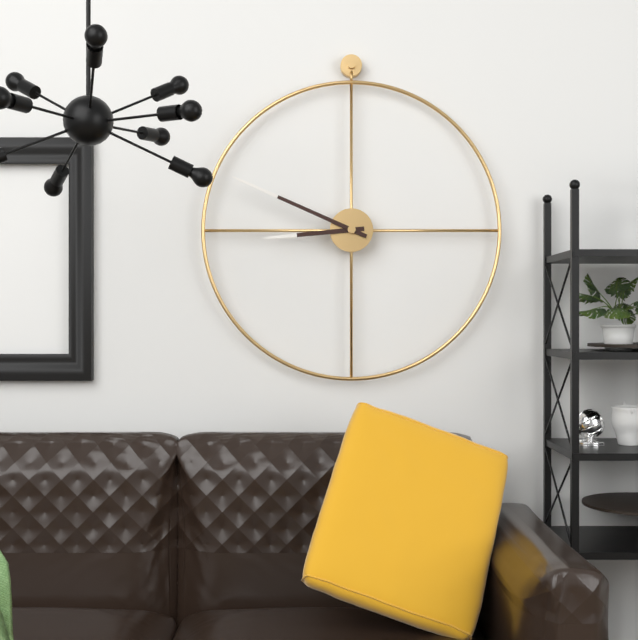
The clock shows 8h49
